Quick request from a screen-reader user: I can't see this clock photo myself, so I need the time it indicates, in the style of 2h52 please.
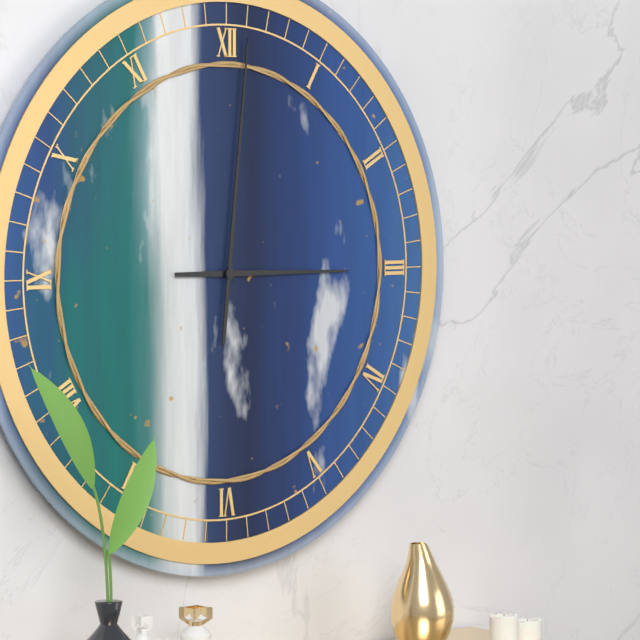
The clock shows 3h01
